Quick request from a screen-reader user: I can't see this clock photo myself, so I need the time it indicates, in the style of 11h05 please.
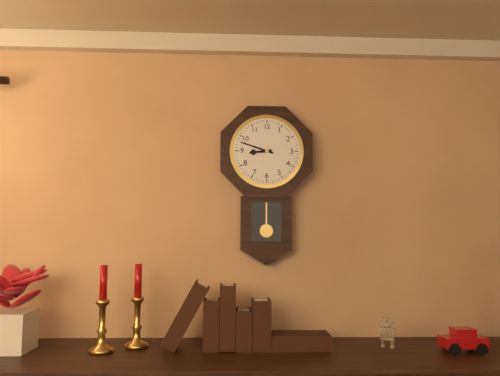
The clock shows 8h48
